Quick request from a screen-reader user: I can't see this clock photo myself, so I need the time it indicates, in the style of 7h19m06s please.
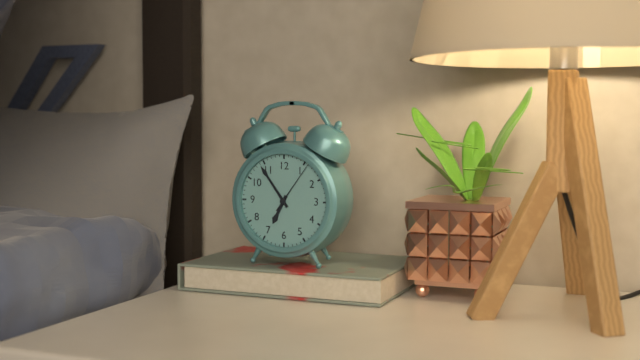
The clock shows 6h54m06s
